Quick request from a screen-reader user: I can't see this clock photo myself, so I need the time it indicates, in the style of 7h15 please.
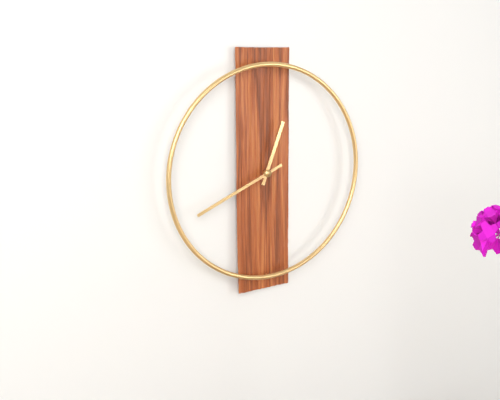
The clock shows 12h41
